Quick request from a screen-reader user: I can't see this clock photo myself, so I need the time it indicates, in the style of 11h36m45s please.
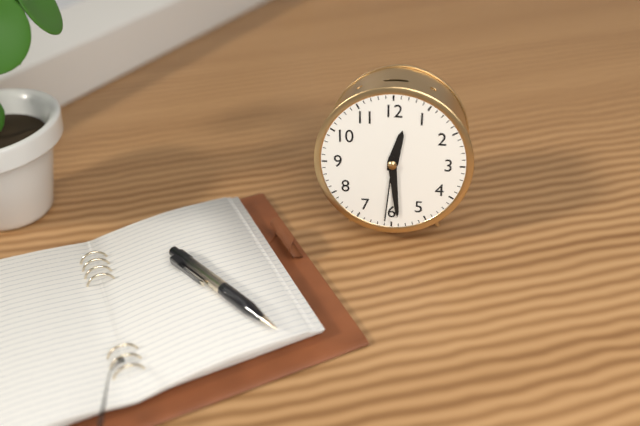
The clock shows 12h29m31s
